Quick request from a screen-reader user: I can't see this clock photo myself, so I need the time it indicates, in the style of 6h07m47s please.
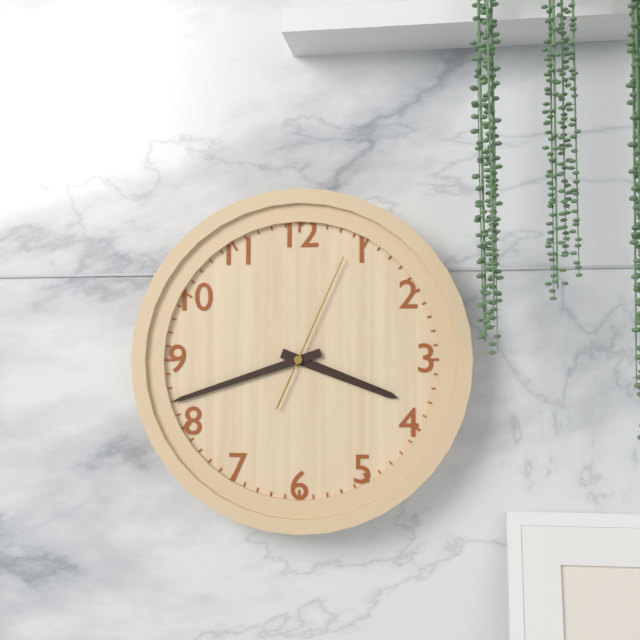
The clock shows 3h42m04s
